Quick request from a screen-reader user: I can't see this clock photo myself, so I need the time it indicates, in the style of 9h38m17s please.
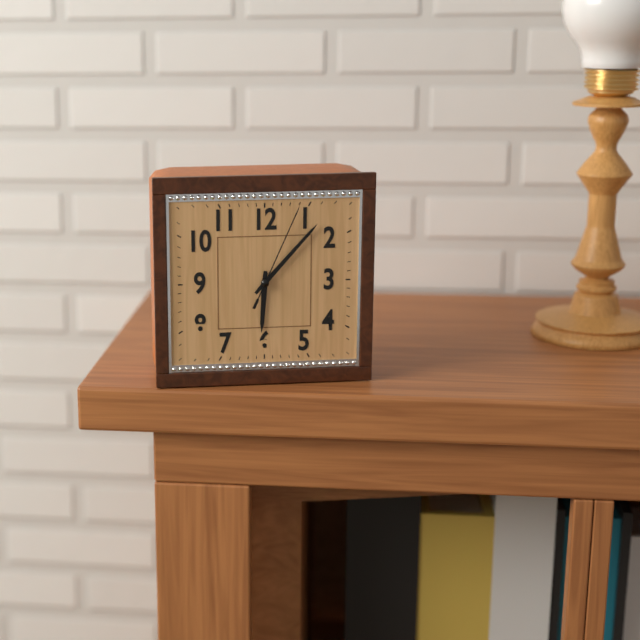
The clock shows 6h07m04s
